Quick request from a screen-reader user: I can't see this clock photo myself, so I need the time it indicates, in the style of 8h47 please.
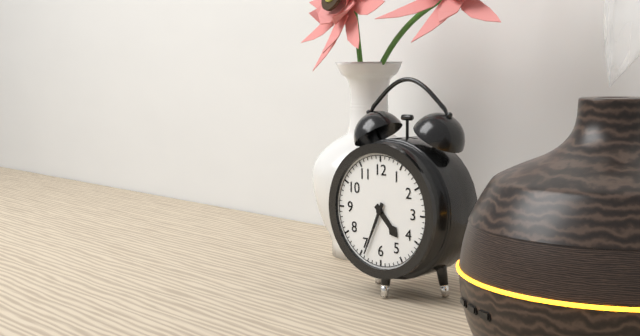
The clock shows 4h34
